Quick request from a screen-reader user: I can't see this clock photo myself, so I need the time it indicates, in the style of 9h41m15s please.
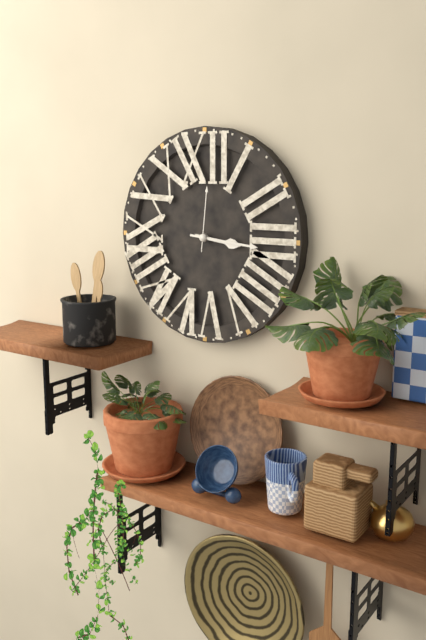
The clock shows 3h16m01s
